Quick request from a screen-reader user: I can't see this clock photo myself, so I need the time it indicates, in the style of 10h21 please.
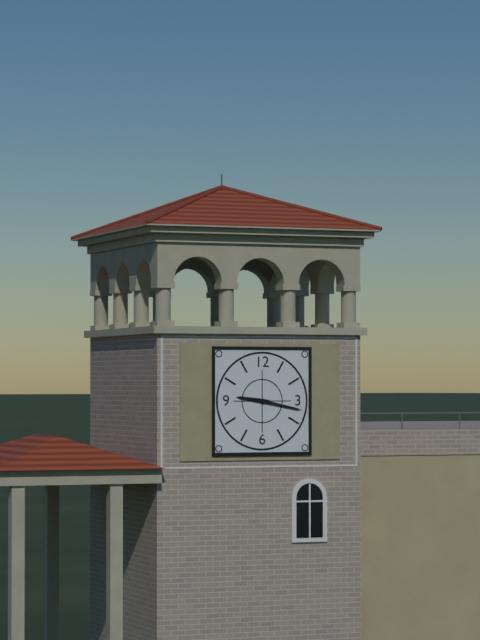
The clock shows 9h17
